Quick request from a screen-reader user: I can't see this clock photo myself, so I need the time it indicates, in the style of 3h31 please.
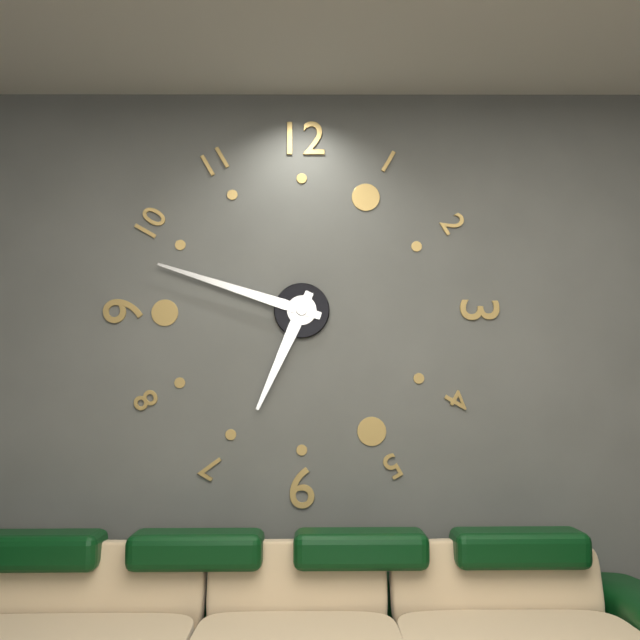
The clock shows 6h48
